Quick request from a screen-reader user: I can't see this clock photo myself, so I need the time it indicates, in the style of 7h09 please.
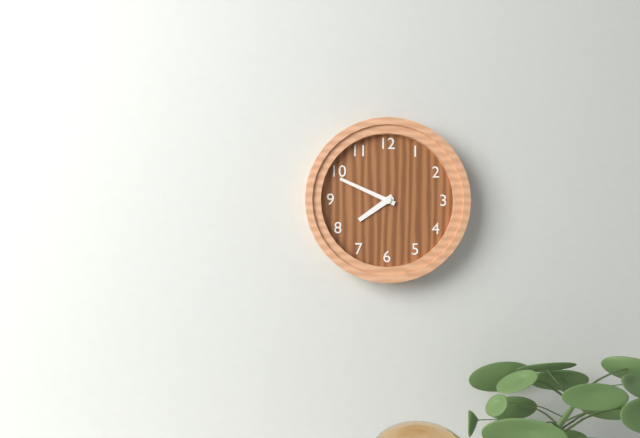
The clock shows 7h49
